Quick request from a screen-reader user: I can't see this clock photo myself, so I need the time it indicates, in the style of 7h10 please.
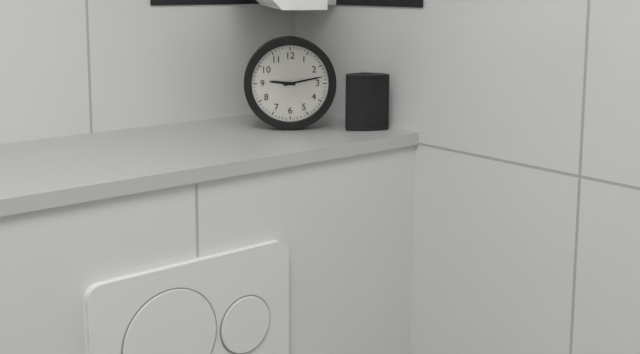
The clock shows 9h13
